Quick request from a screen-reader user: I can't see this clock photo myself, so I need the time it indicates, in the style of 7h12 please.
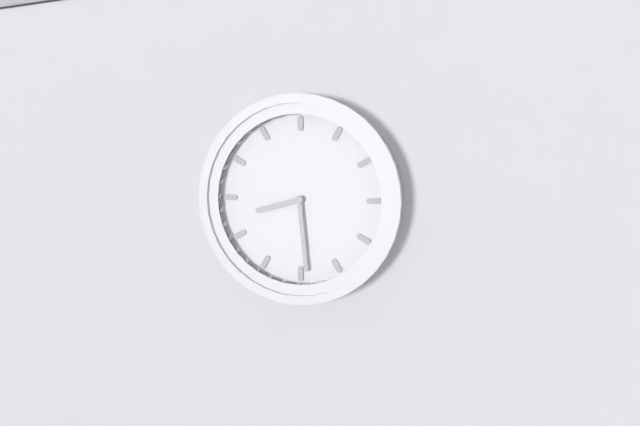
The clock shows 8h29
